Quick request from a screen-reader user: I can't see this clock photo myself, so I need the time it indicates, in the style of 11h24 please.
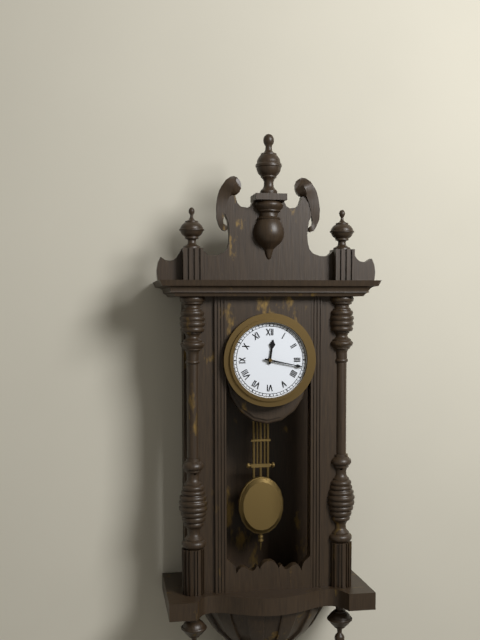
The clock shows 12h17
